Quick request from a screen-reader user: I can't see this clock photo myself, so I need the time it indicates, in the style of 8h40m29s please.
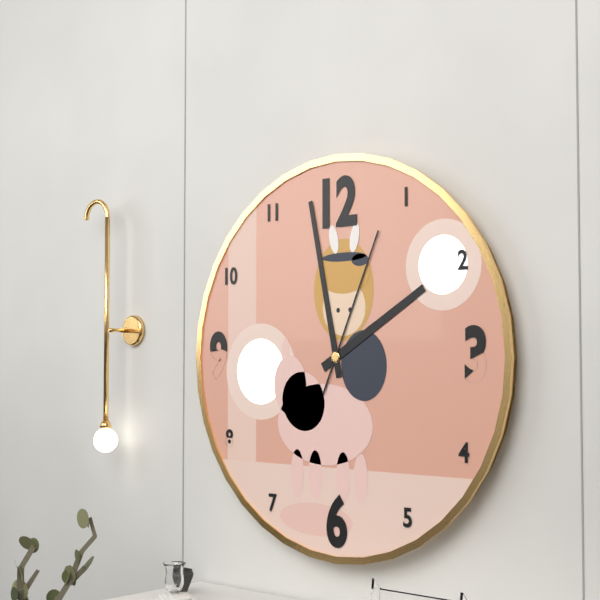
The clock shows 1h58m04s
